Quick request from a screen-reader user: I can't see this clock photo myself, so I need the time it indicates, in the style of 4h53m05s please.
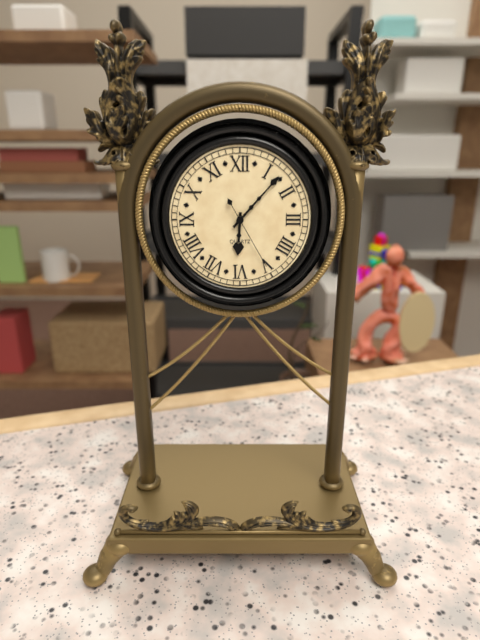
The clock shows 6h07m25s
